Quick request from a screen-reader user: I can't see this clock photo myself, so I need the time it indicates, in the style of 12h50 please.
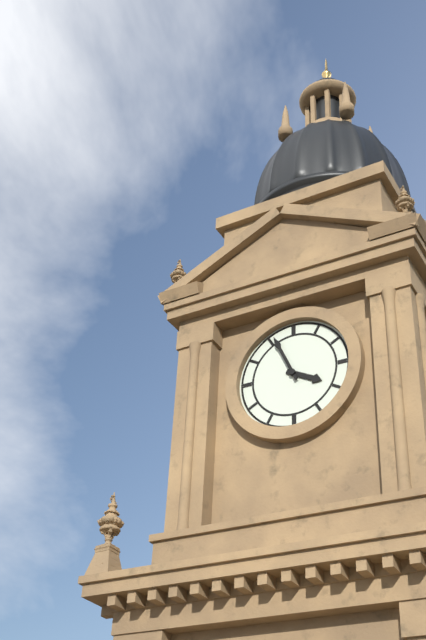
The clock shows 3h56
